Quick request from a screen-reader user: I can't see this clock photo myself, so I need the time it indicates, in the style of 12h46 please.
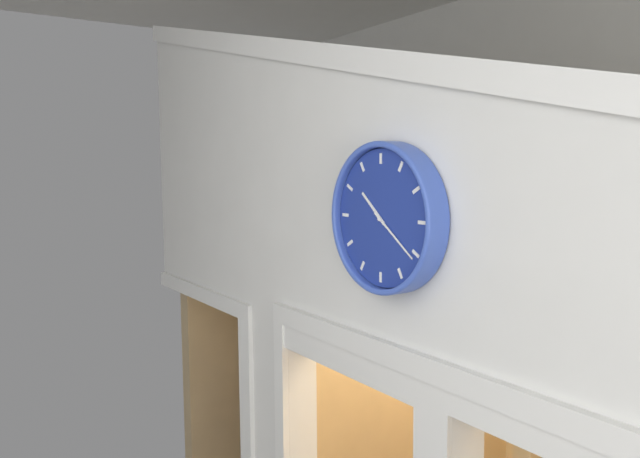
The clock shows 10h21
